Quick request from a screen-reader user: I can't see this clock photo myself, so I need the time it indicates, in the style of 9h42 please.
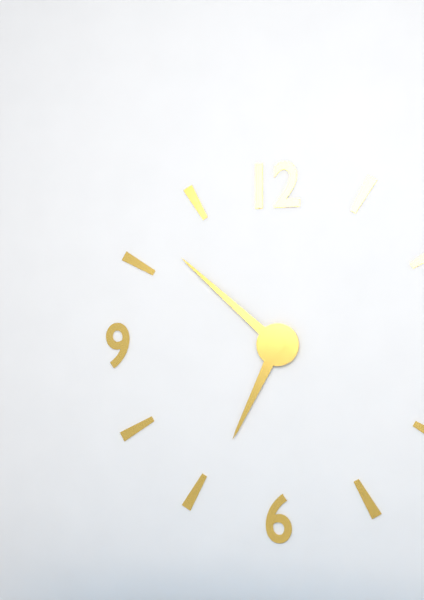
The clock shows 6h52
